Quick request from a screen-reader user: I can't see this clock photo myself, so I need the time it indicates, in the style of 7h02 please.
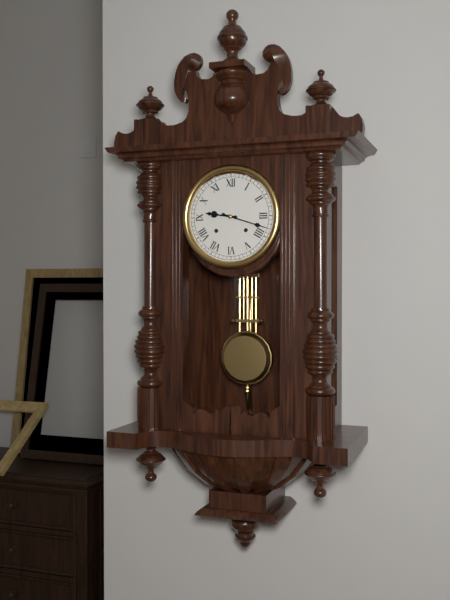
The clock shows 9h18
